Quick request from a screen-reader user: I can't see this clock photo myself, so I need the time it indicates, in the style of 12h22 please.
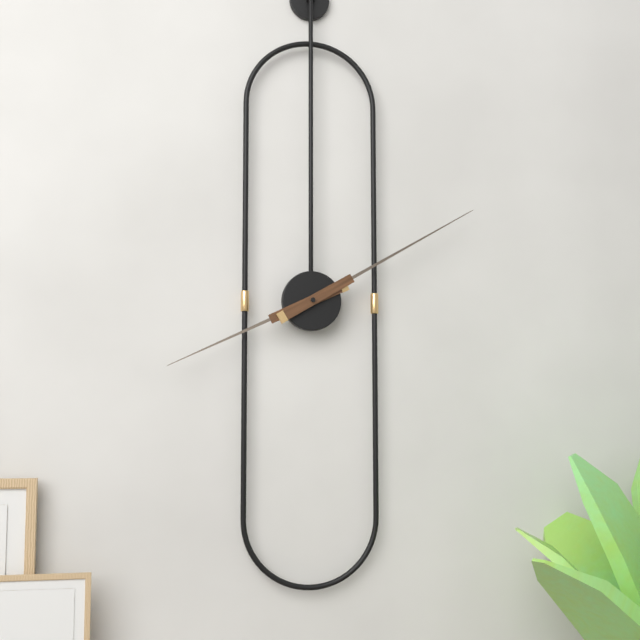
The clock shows 8h10
